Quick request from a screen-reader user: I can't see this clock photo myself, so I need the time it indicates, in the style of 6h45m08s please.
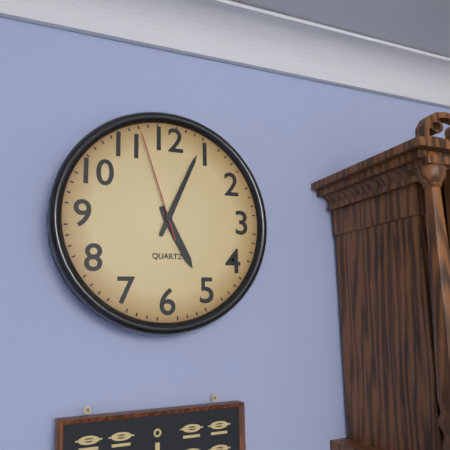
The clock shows 5h04m57s
